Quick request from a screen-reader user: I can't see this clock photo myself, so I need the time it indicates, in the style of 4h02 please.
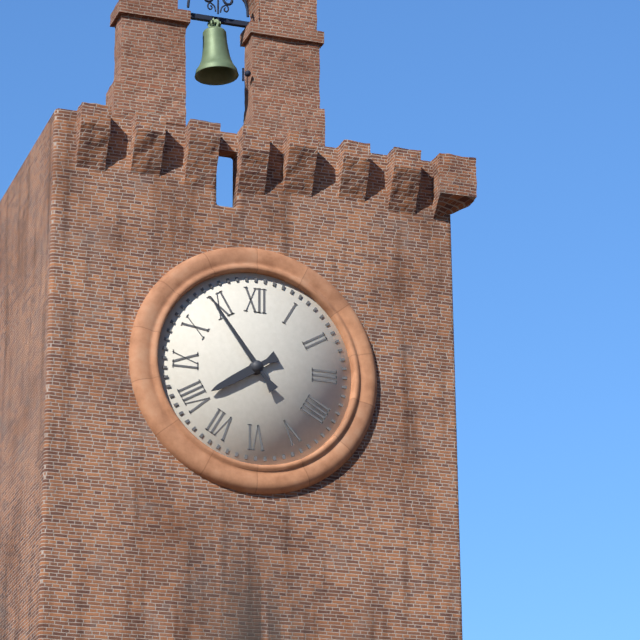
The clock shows 7h54
